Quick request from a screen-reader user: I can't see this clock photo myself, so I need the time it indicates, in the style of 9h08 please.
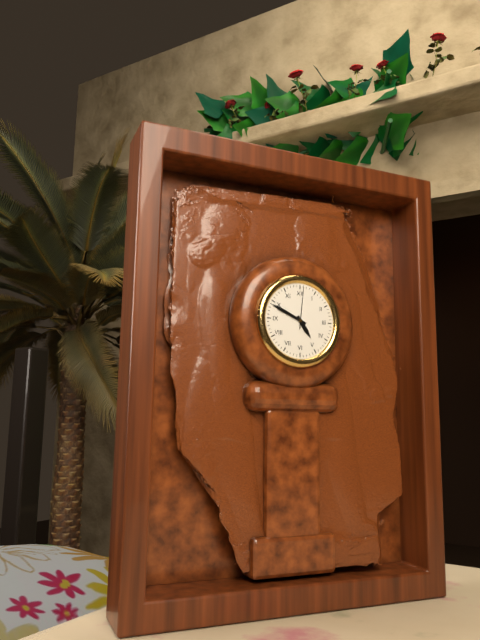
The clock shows 4h49
